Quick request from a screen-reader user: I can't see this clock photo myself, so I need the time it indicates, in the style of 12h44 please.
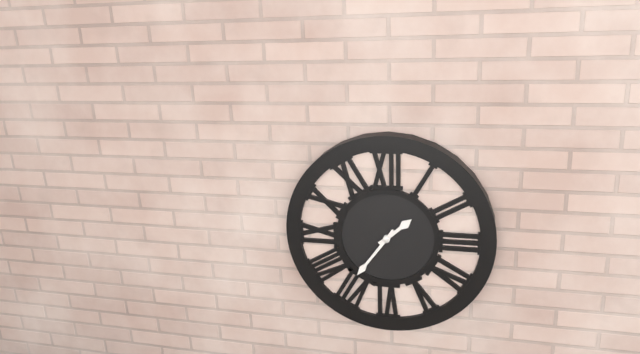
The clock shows 1h36
